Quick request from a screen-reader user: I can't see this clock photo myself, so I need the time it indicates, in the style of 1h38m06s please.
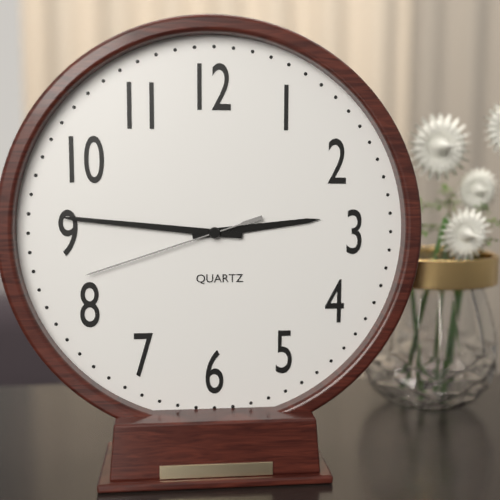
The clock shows 2h46m42s
